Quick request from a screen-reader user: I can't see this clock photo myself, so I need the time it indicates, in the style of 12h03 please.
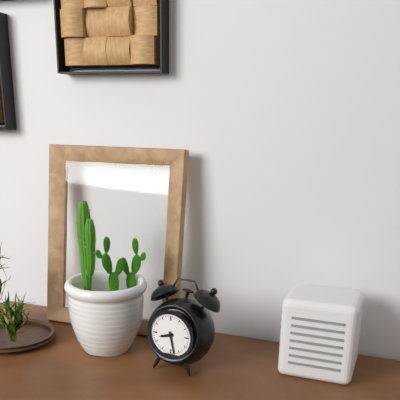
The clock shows 8h28
